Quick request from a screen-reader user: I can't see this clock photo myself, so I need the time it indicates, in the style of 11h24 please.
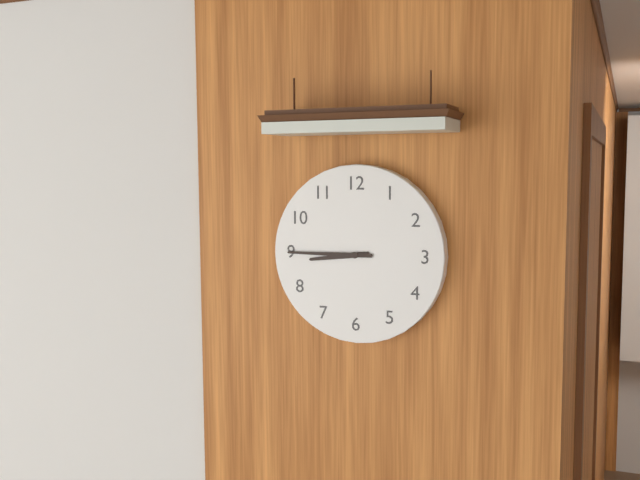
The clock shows 8h45
